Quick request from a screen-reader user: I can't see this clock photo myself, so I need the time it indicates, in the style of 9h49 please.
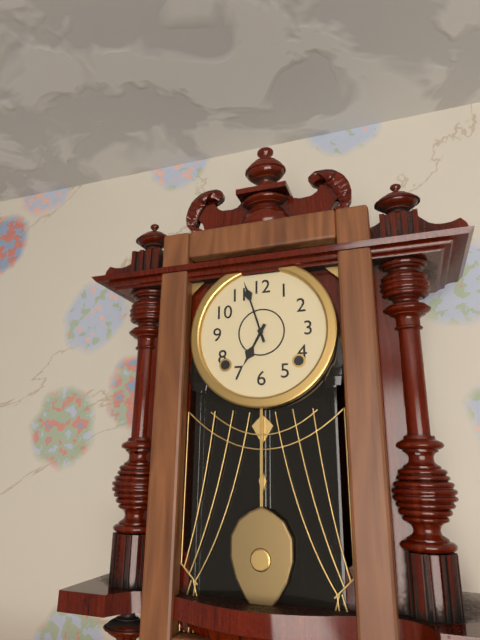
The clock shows 6h57
